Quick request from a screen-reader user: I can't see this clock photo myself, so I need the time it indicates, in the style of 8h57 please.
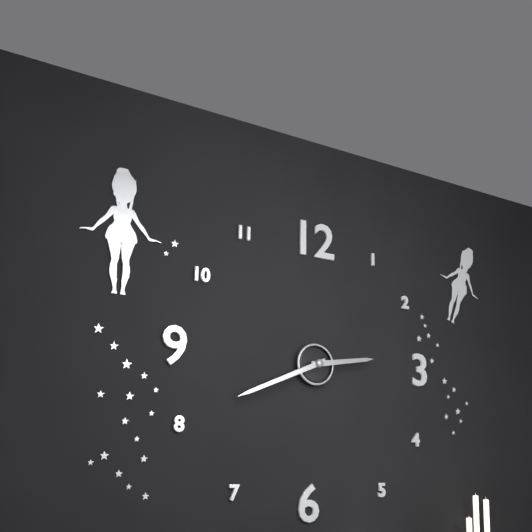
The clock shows 2h41
